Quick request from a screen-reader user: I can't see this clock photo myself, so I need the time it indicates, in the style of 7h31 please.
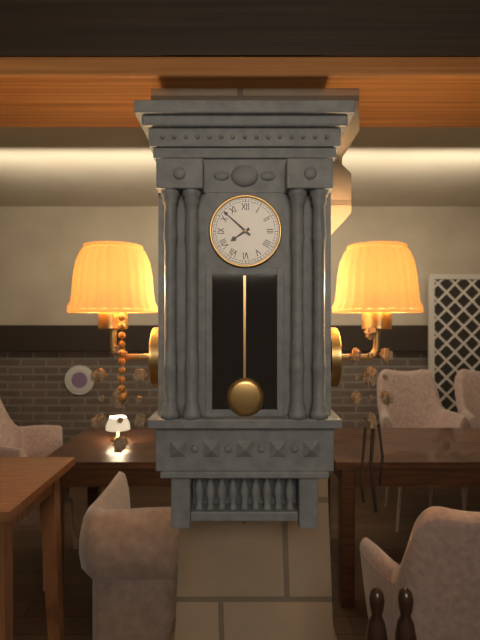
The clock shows 7h52
